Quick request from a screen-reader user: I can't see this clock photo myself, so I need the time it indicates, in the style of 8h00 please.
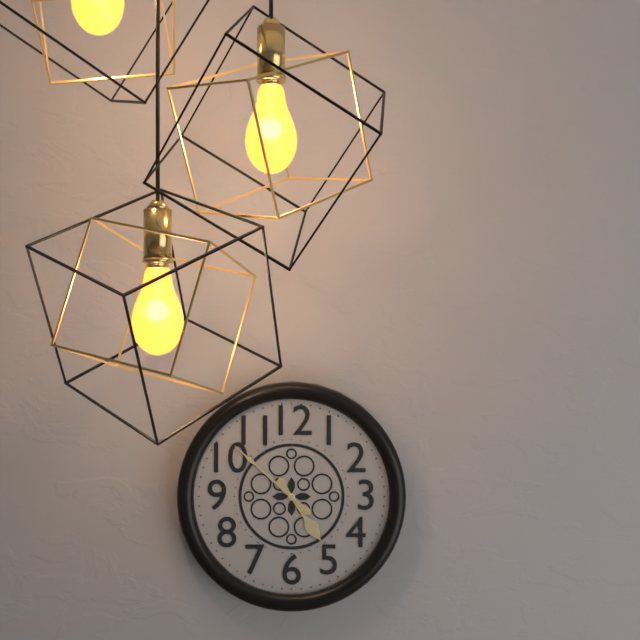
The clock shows 4h52
